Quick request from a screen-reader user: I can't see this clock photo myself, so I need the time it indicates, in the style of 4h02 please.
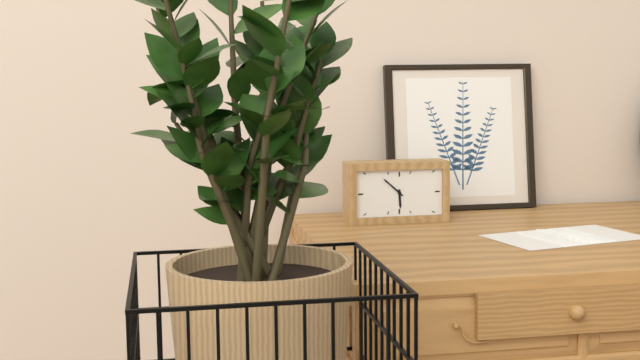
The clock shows 5h52
